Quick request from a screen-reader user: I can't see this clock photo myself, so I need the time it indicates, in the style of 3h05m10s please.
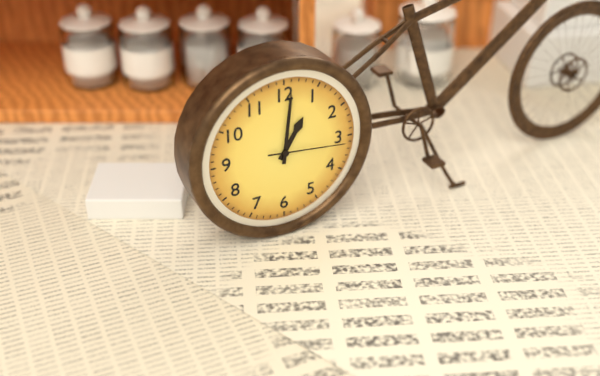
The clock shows 1h01m16s
